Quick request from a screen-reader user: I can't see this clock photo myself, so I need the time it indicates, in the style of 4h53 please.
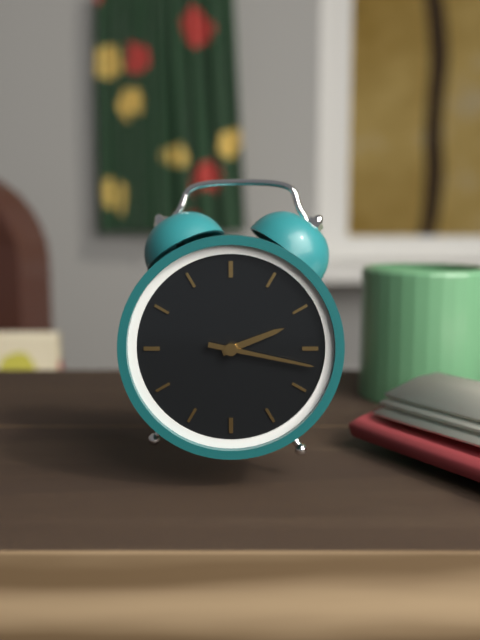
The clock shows 2h17
